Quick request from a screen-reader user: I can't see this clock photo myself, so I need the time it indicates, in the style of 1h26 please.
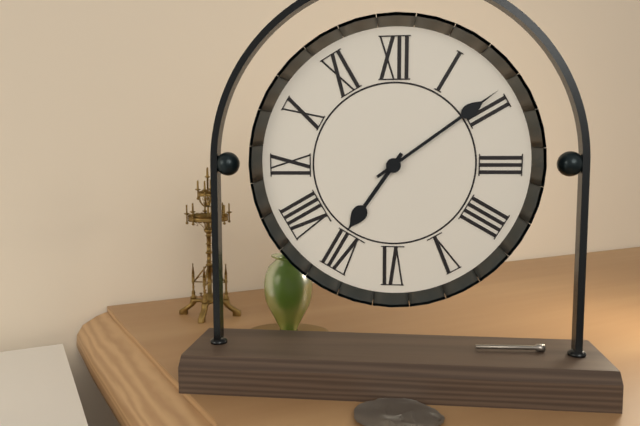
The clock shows 7h09
